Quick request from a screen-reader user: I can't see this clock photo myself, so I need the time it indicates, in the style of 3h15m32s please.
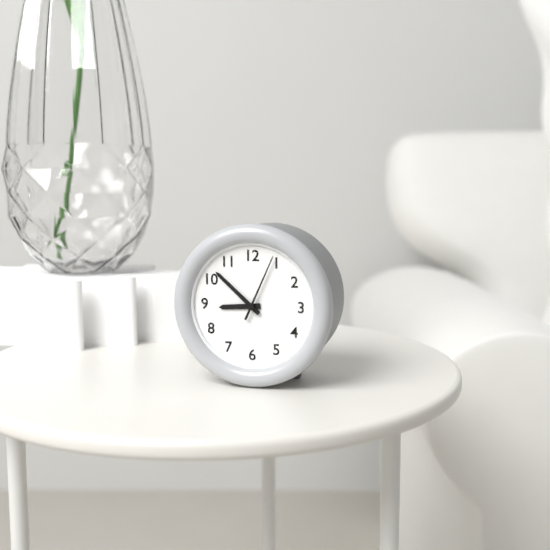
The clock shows 8h52m04s
